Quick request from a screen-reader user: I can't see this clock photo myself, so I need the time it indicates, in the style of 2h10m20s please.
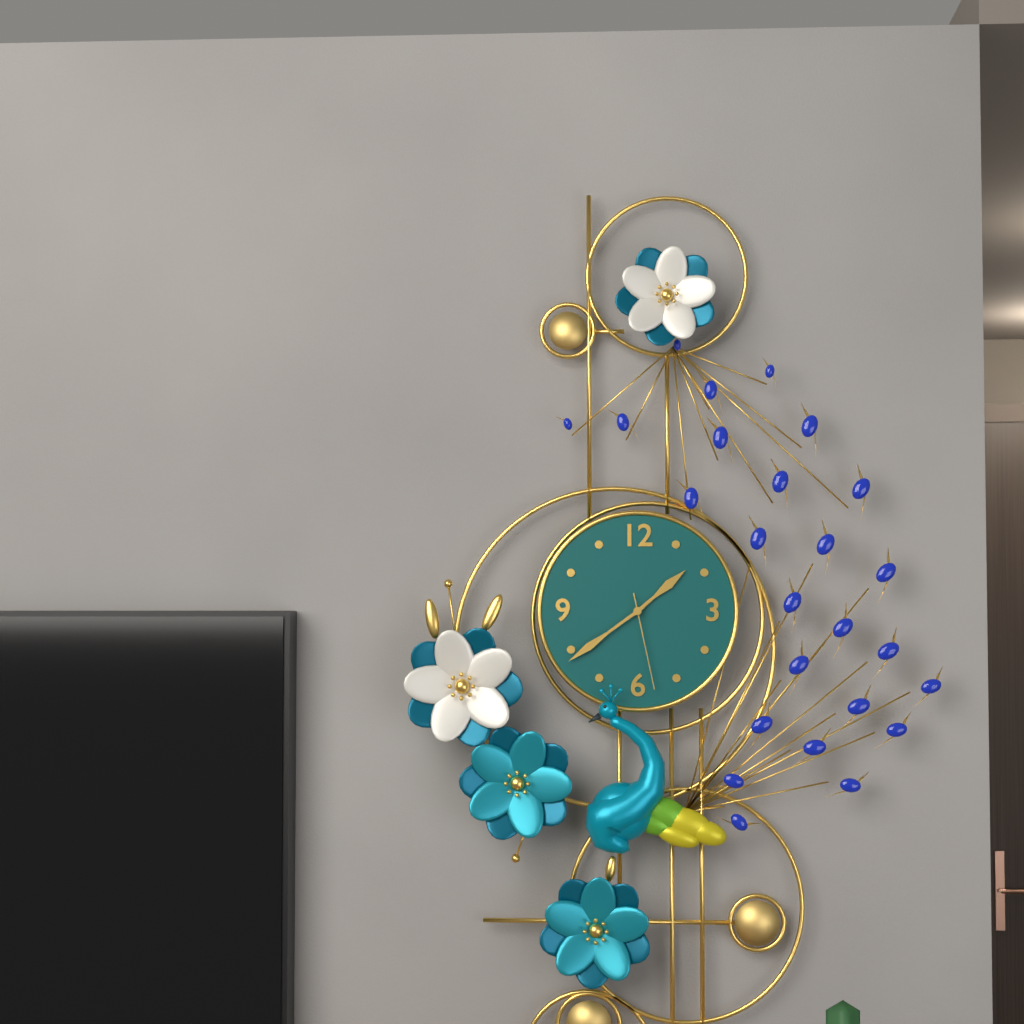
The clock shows 1h39m28s
